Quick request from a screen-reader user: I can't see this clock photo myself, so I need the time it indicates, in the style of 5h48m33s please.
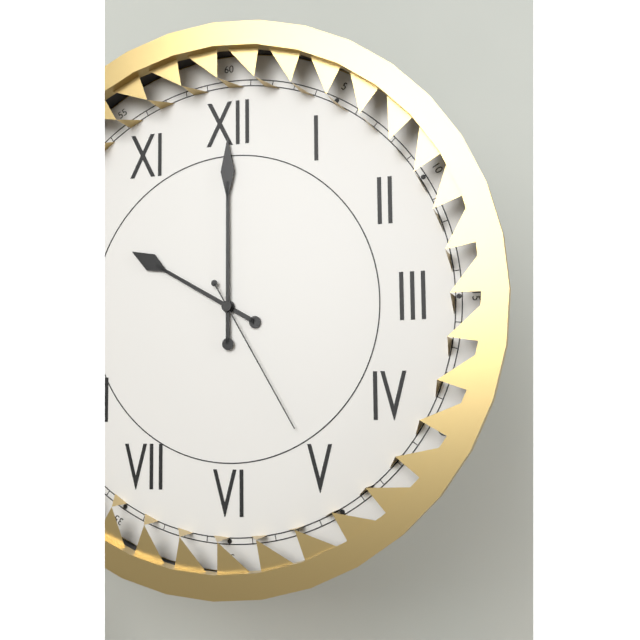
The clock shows 10h00m25s
